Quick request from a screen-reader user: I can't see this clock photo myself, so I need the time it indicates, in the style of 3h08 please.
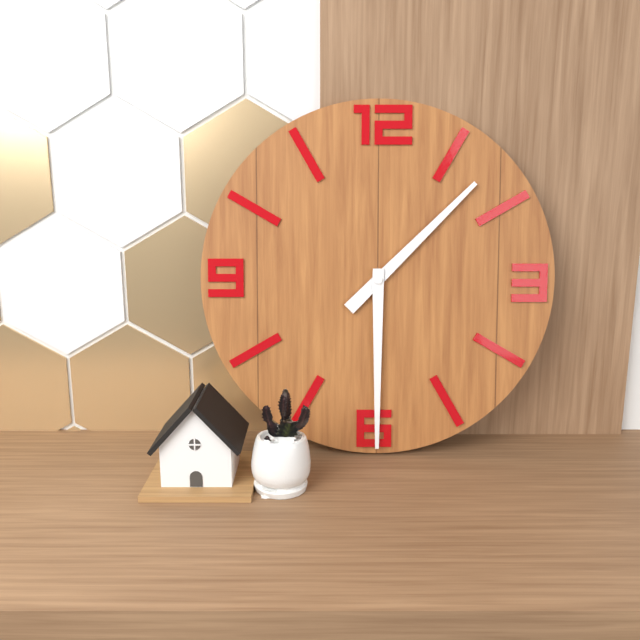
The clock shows 1h30
